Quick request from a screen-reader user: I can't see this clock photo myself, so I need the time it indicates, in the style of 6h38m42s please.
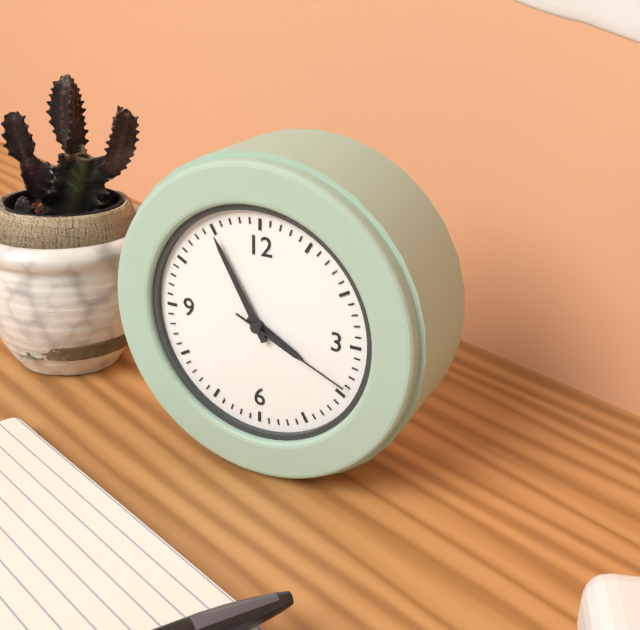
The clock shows 3h55m19s
